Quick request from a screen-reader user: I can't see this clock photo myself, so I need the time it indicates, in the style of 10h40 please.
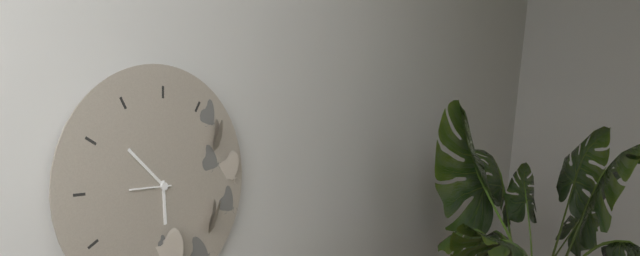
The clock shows 5h52
